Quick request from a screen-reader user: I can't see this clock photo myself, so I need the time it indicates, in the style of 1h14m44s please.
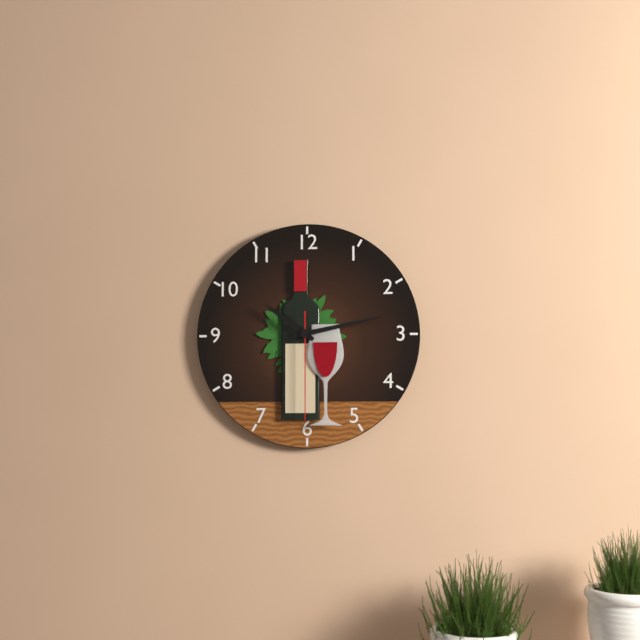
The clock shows 10h13m30s
